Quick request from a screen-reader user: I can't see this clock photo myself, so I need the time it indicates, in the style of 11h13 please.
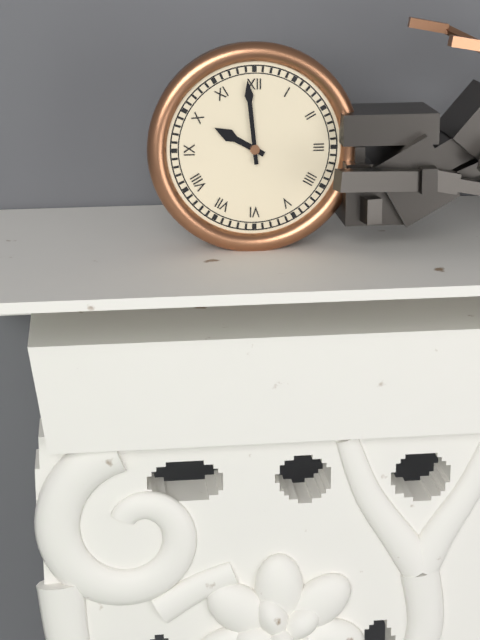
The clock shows 9h59
